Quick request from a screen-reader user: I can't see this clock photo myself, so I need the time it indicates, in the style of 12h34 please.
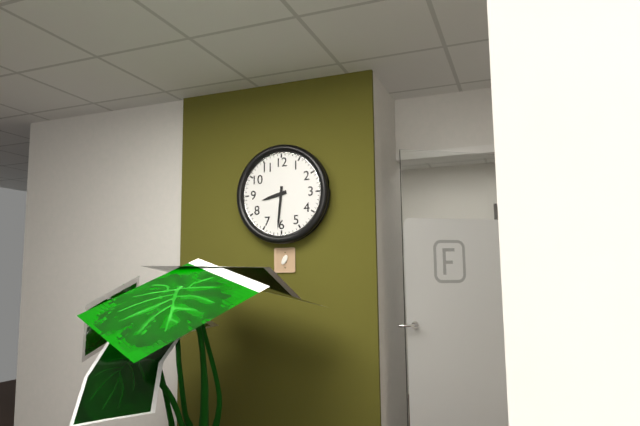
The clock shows 8h31
